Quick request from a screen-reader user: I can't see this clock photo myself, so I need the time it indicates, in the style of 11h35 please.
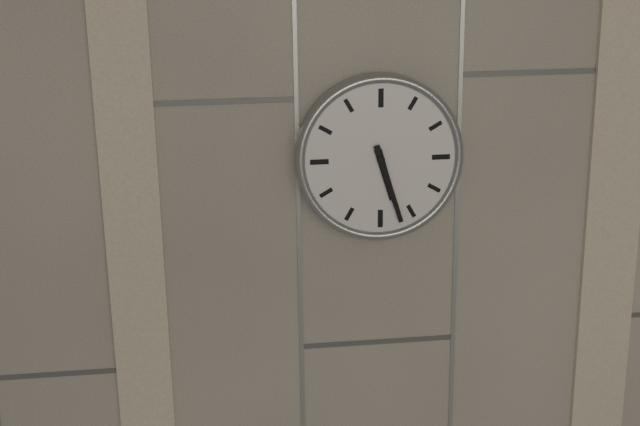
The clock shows 5h27
